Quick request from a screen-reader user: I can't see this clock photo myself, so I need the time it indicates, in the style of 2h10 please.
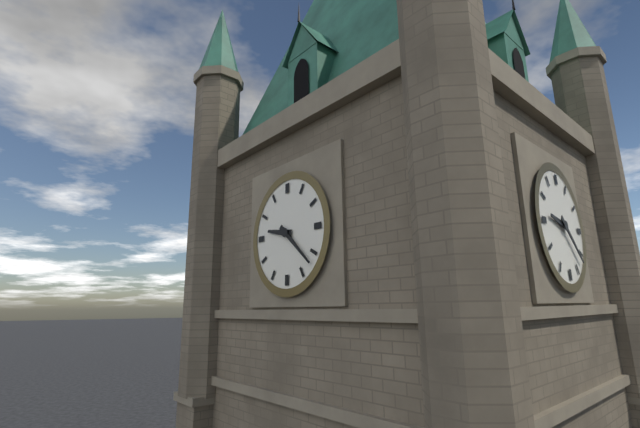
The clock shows 9h22
